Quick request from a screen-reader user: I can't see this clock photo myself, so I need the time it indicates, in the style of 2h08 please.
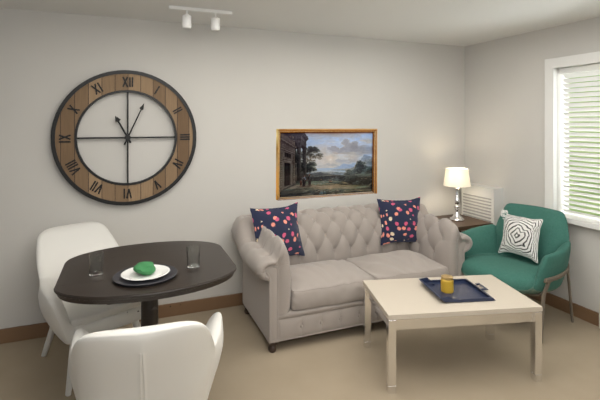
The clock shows 11h04
